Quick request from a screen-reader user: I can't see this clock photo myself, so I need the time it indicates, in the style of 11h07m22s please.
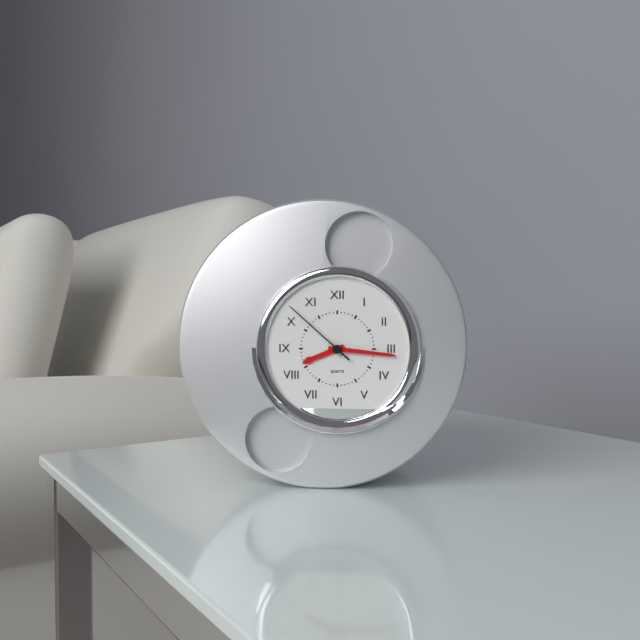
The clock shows 8h16m52s
